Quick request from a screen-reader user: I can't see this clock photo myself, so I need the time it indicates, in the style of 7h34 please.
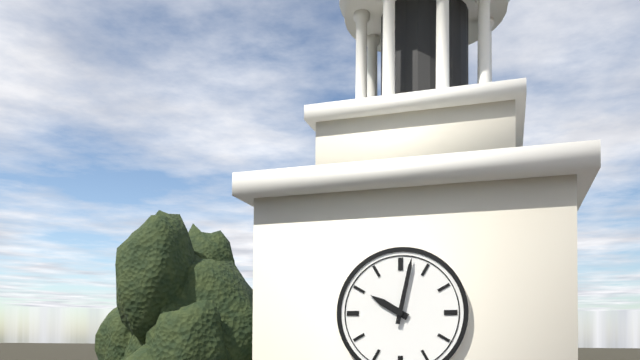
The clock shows 10h02
